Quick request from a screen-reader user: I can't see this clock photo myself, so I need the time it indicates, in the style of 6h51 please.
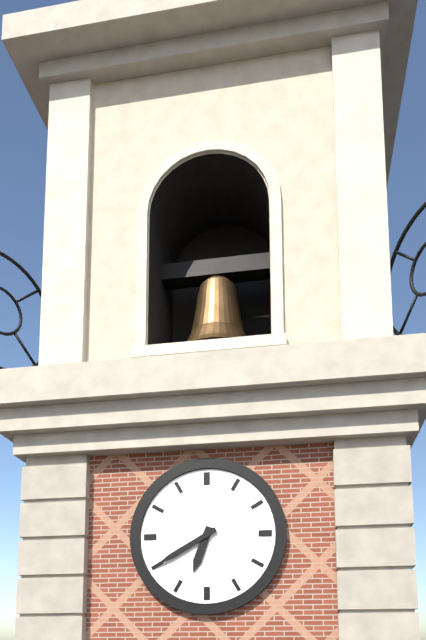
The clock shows 6h40
